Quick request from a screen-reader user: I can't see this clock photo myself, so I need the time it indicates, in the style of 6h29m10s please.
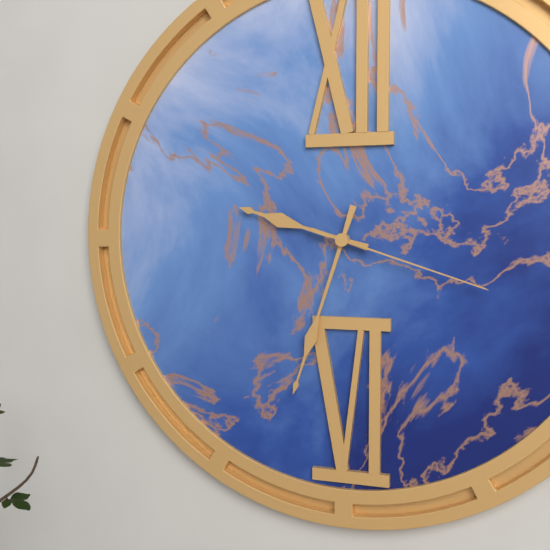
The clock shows 9h33m18s
